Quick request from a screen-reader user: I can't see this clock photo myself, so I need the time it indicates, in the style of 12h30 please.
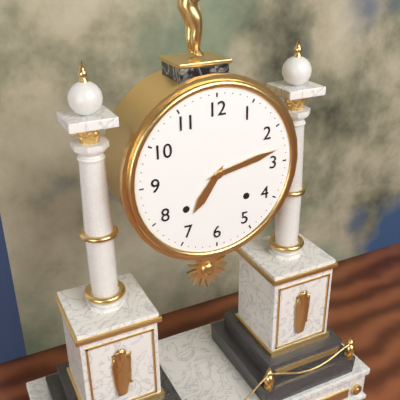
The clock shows 7h13
